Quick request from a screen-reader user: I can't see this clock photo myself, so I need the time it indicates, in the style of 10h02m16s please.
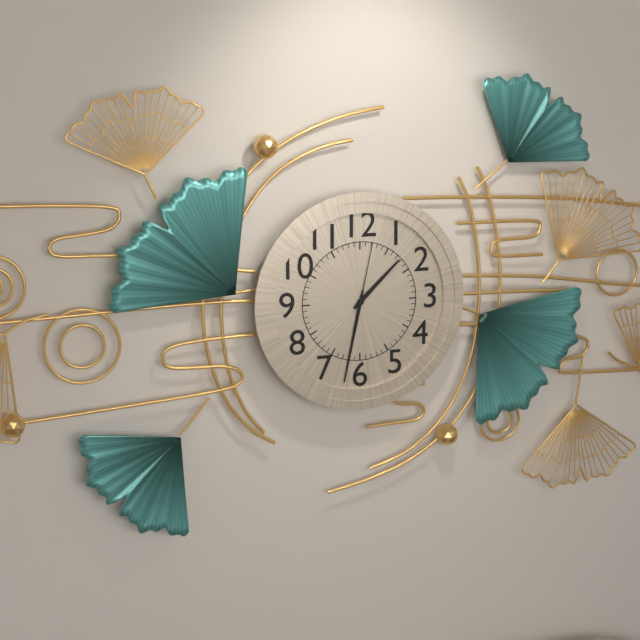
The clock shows 1h32m02s
